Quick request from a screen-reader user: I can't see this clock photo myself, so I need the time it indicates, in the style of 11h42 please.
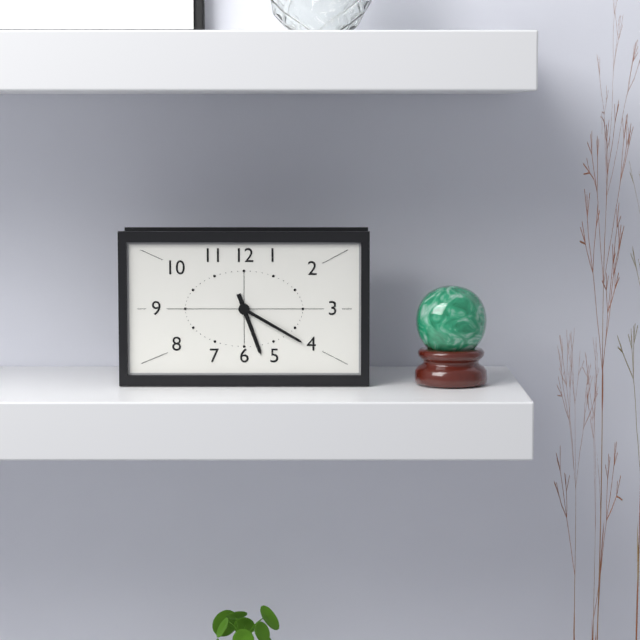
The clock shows 5h20
